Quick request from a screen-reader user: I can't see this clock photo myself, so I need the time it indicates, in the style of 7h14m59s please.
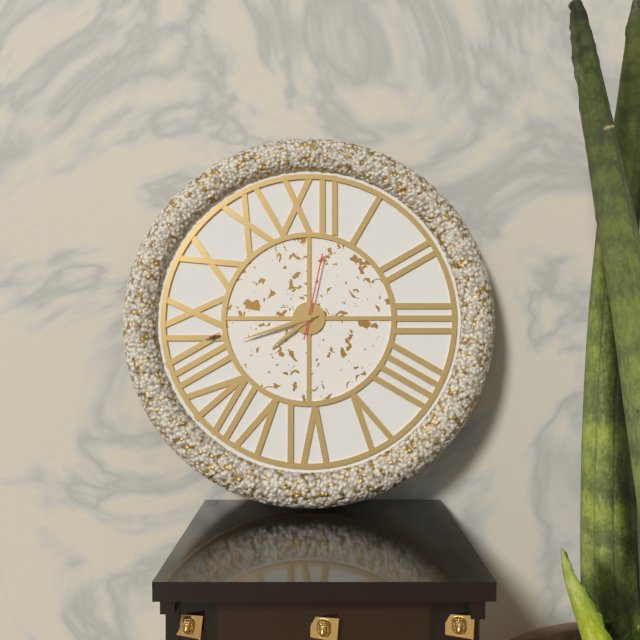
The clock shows 7h42m02s
